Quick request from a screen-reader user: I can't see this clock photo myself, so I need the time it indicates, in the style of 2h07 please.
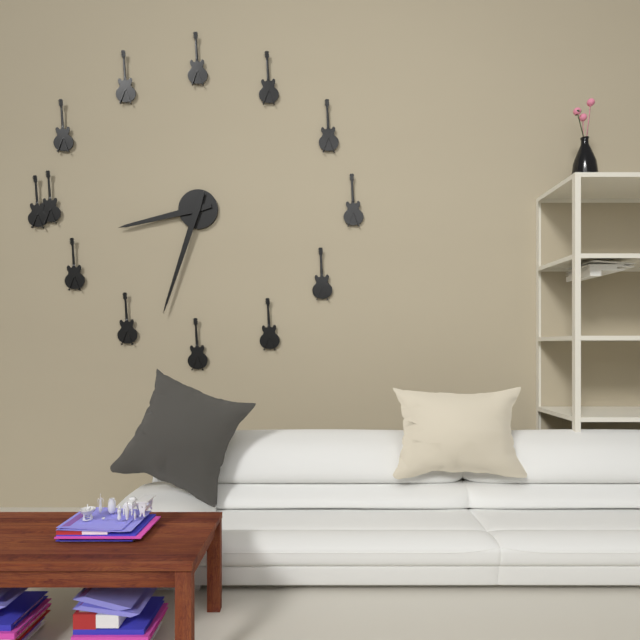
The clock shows 8h33
